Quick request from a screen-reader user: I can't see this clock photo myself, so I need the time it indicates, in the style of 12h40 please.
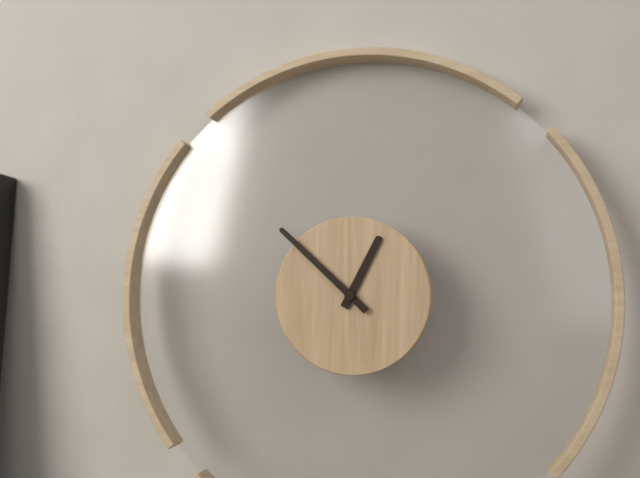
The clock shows 12h52
